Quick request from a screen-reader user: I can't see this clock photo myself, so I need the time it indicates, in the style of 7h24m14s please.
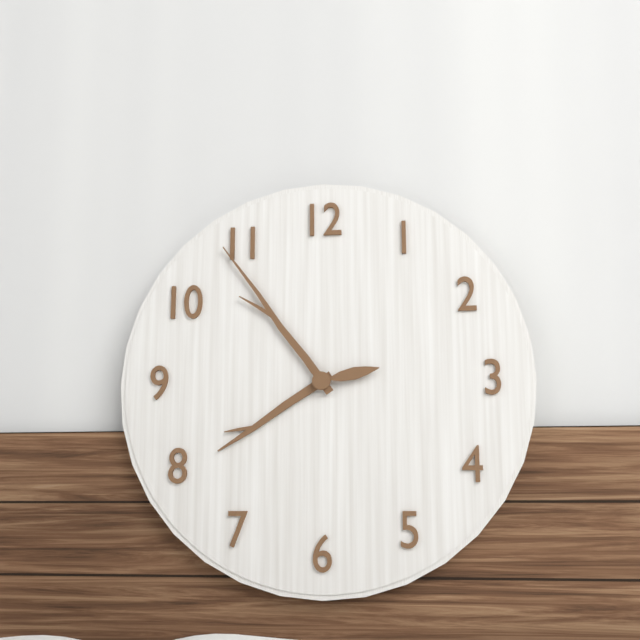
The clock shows 7h54m13s
